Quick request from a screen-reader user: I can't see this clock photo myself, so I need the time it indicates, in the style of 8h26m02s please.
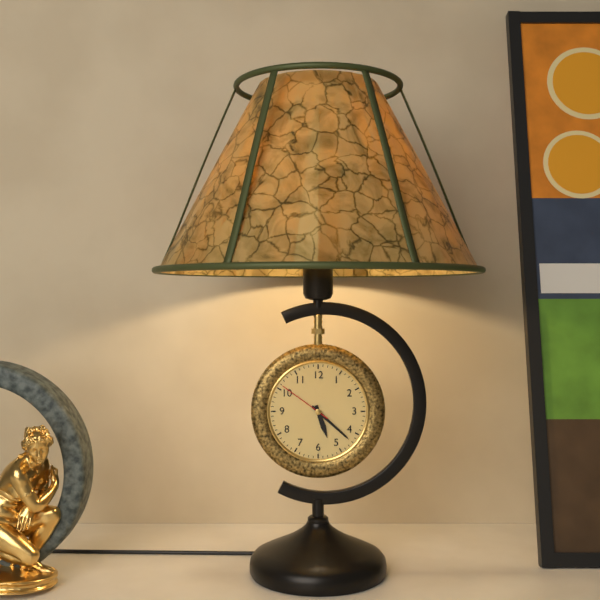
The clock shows 5h22m51s
